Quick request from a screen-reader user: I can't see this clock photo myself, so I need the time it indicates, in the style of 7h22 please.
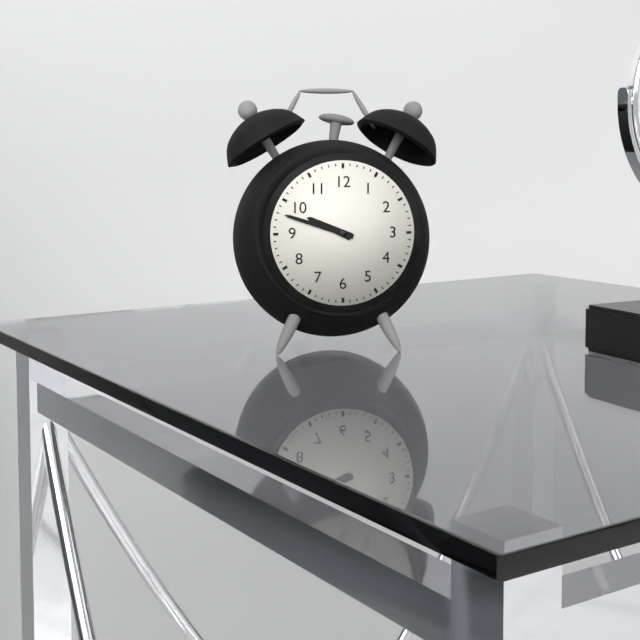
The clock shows 9h48
